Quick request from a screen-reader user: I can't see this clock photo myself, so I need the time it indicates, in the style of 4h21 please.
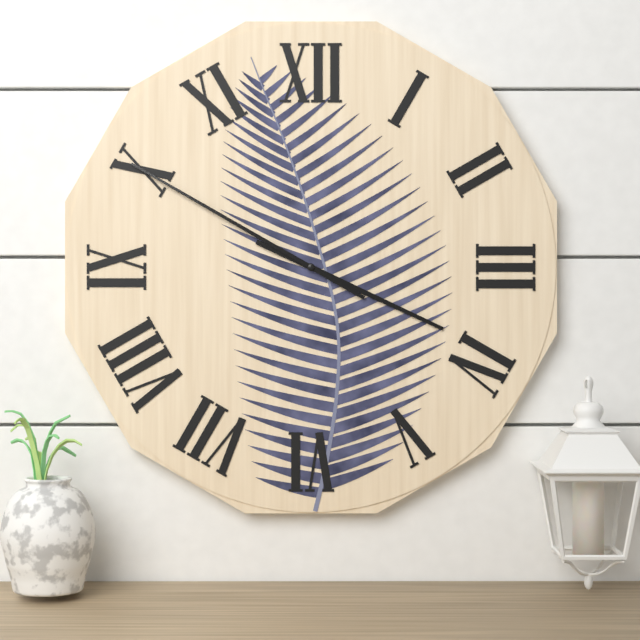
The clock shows 3h50
